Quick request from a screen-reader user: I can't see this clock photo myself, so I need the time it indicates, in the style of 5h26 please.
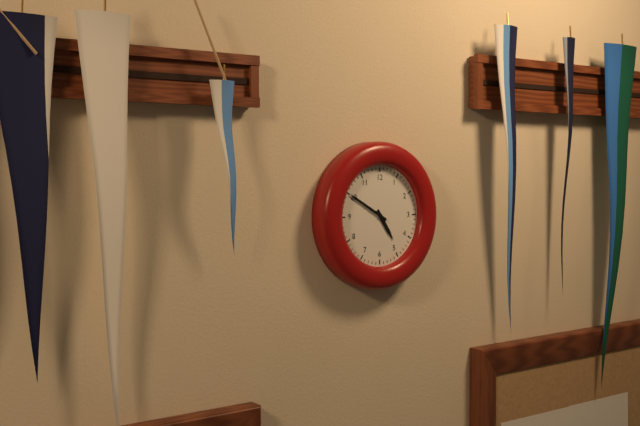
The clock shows 4h50
